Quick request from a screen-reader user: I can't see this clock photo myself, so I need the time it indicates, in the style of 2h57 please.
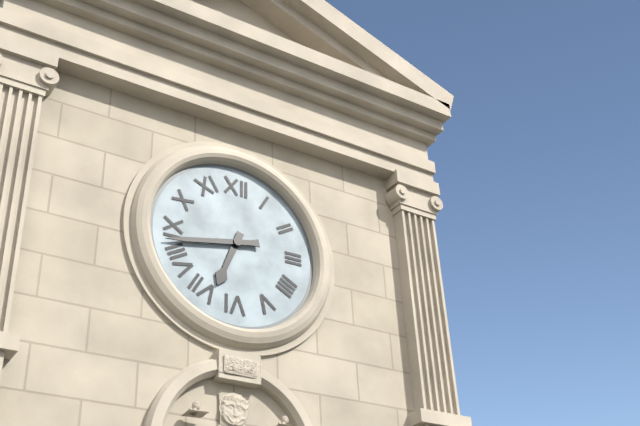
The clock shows 6h43
